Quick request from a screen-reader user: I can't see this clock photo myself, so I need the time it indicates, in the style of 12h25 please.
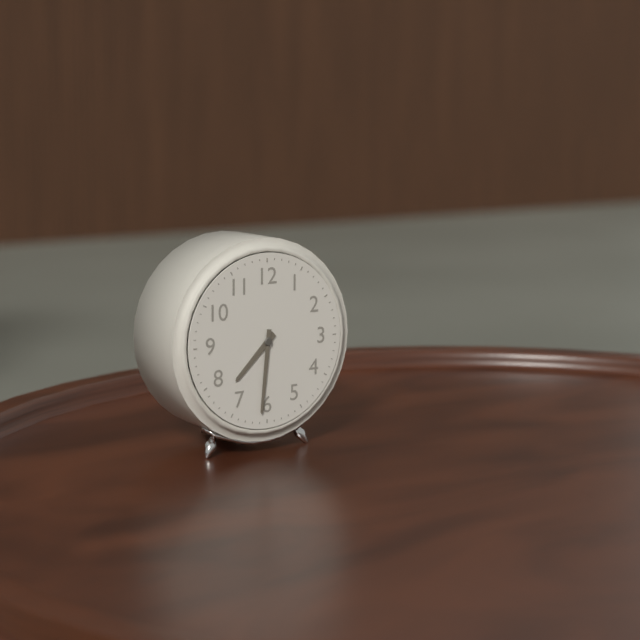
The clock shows 7h31
